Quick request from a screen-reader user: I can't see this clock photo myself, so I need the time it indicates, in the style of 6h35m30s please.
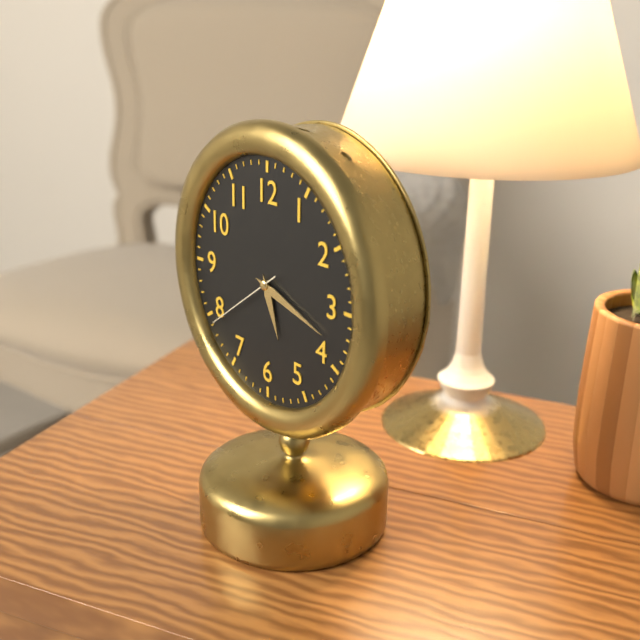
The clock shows 5h18m39s
